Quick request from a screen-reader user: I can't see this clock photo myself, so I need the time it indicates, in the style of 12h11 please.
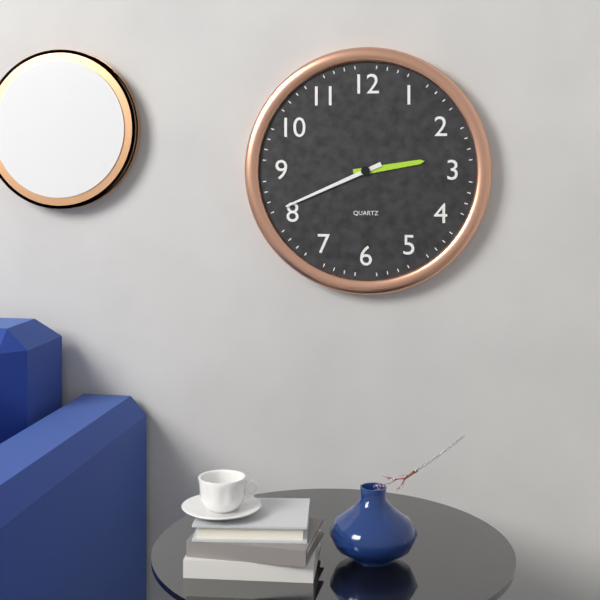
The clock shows 2h41
